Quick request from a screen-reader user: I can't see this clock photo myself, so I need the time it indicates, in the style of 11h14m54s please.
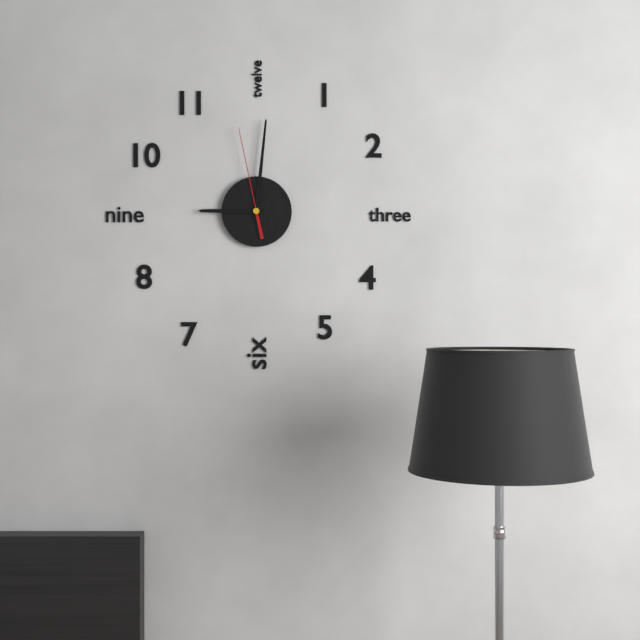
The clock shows 9h01m58s
